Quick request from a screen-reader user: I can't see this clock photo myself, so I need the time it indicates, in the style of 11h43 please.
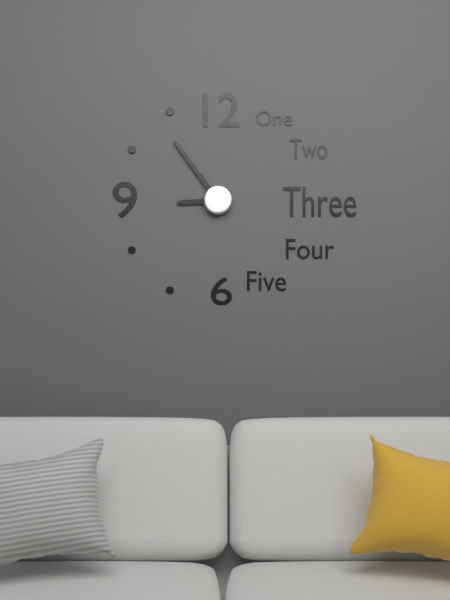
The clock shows 8h54
